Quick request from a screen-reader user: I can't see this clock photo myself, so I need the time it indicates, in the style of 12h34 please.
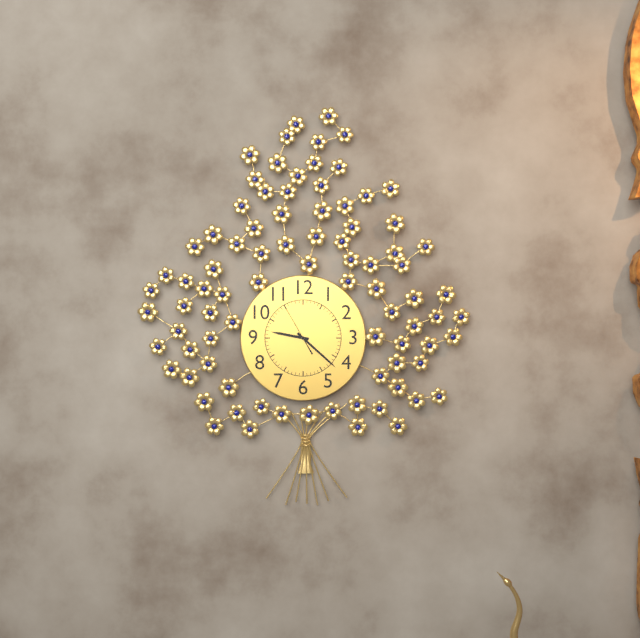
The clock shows 9h22
